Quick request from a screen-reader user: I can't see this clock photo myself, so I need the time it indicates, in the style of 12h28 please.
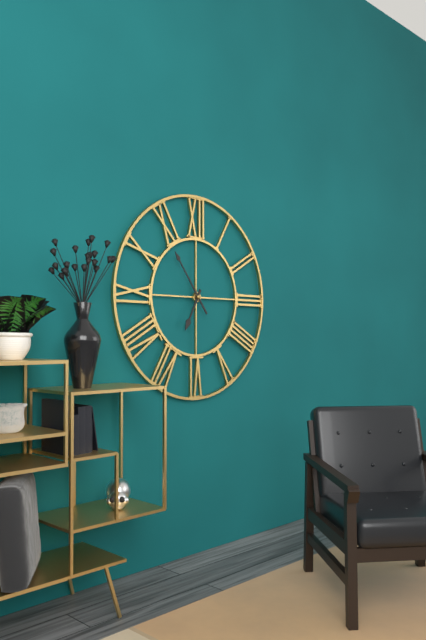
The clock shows 6h54
